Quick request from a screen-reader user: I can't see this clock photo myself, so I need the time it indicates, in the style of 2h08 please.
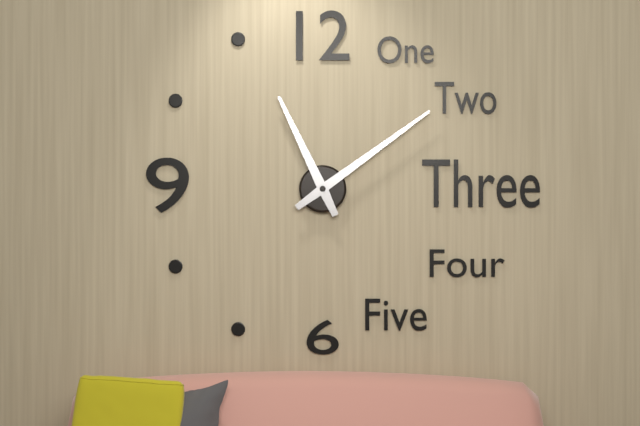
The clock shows 11h09
